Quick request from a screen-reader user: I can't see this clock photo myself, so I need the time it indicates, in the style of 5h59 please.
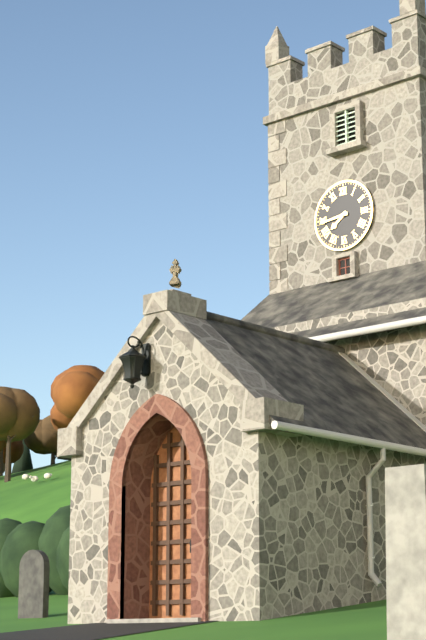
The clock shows 7h44
